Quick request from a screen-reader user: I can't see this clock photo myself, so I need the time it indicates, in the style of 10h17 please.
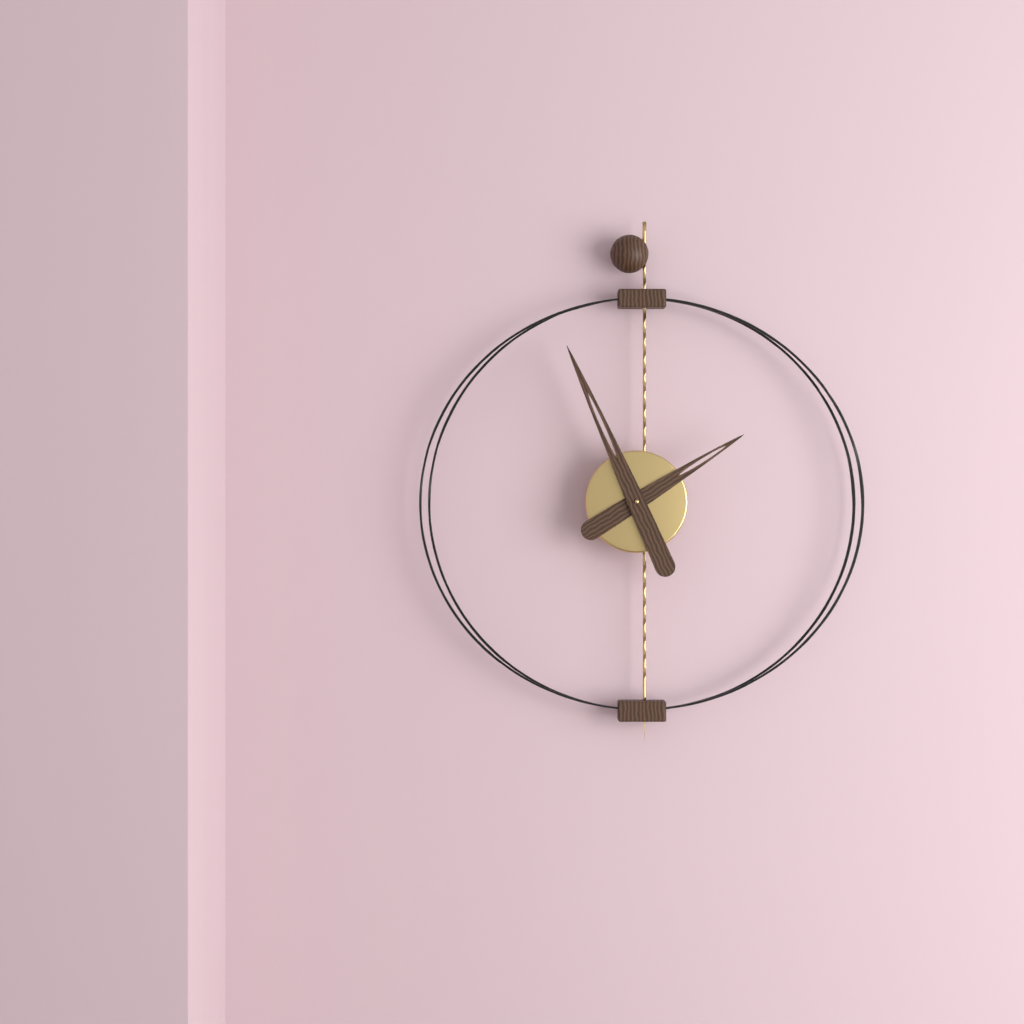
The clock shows 1h56
